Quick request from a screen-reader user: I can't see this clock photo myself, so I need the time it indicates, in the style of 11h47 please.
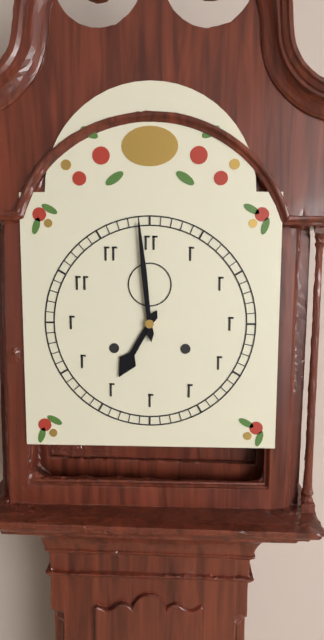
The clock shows 6h59
